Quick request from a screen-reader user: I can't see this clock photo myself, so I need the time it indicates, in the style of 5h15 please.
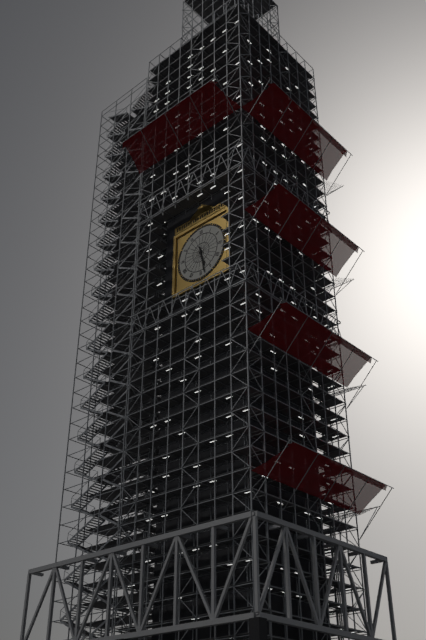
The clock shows 5h28
